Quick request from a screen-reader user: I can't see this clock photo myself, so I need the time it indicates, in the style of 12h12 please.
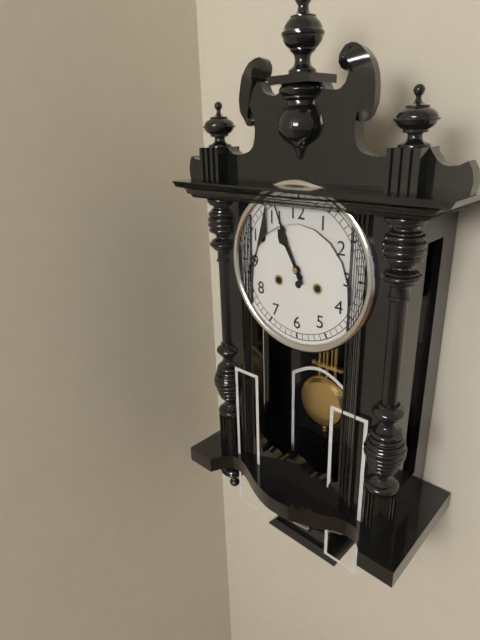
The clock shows 10h56
